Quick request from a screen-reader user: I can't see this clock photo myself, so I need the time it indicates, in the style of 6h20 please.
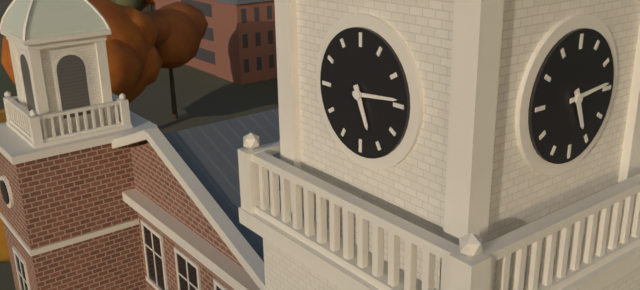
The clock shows 5h14
